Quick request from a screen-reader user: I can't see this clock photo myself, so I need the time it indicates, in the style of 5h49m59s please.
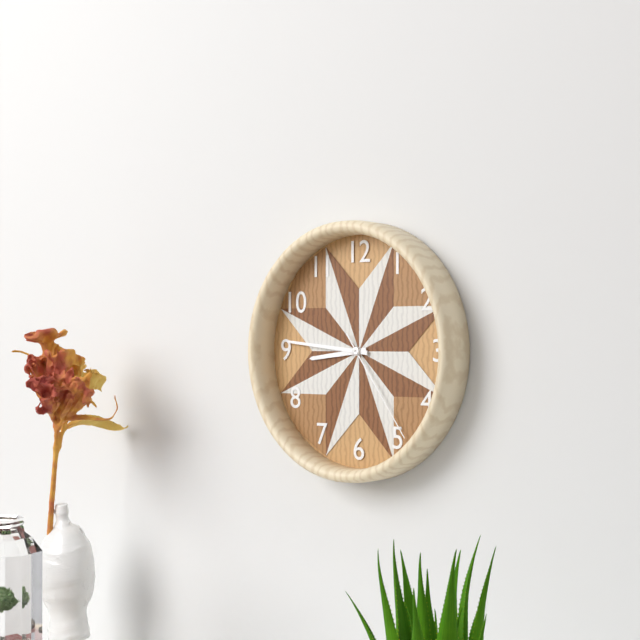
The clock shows 8h46m24s
